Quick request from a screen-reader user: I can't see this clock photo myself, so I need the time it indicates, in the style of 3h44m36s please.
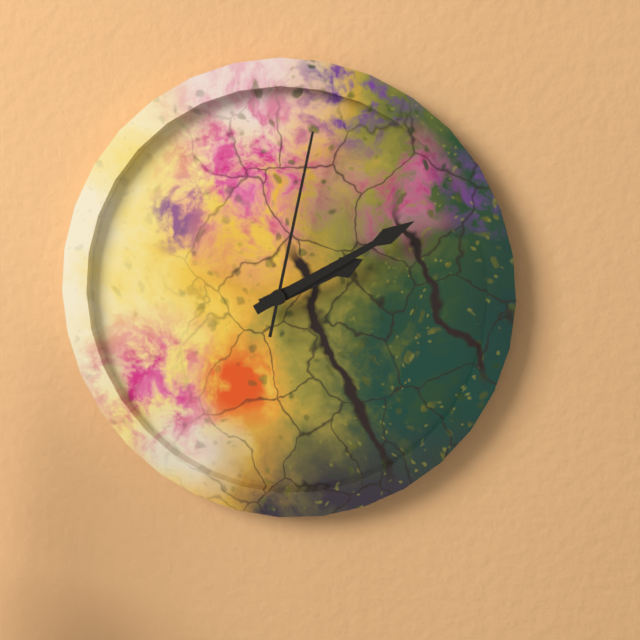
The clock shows 2h10m02s
